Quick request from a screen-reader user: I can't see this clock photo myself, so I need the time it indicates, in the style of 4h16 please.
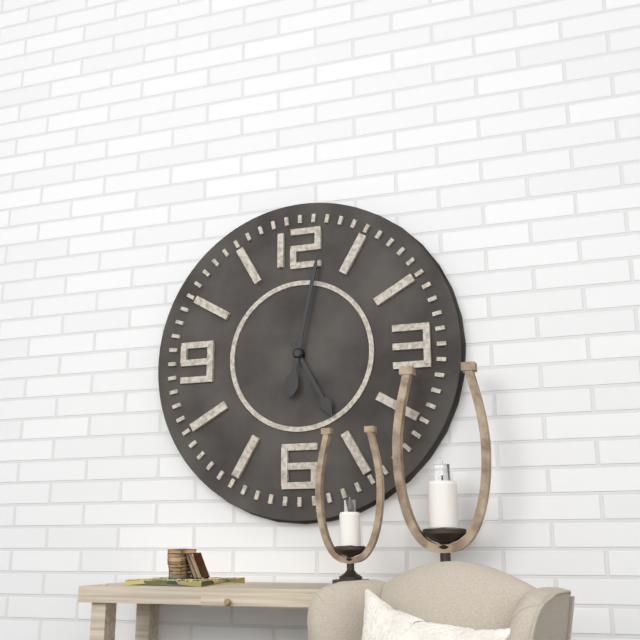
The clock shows 5h02
